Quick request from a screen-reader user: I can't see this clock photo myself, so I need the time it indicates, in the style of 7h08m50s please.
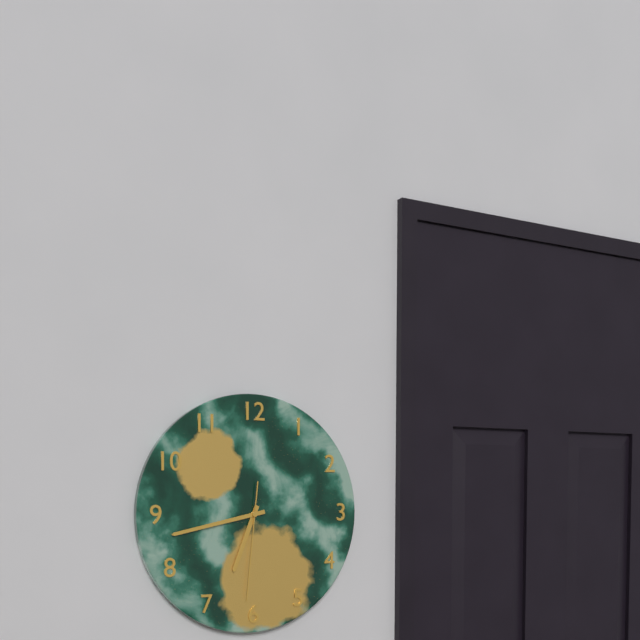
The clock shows 6h43m31s
